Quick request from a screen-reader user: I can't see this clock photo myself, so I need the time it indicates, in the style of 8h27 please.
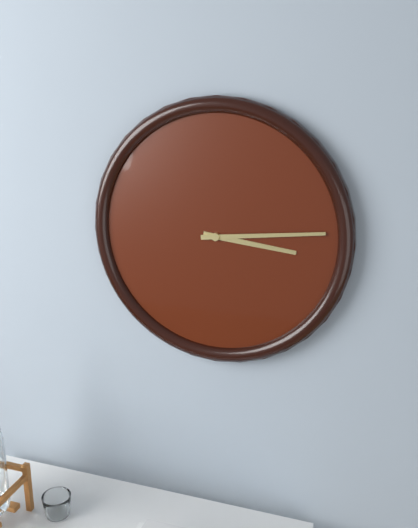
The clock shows 3h14
